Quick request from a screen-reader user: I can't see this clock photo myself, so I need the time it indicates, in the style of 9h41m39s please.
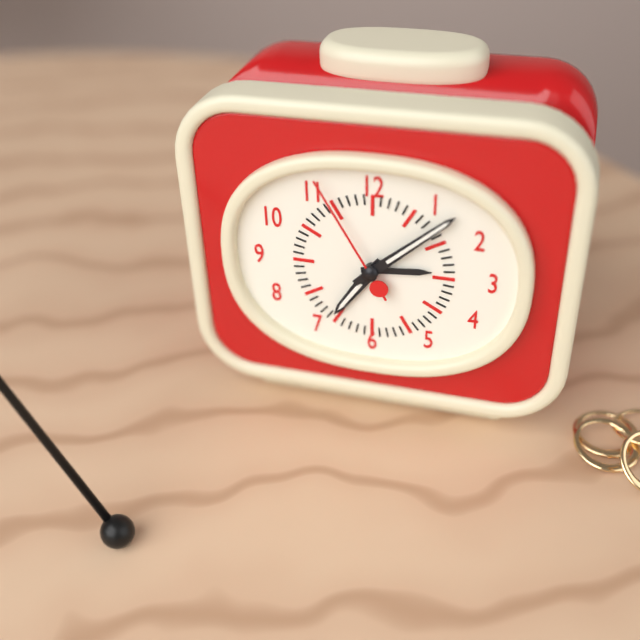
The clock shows 7h08m55s
